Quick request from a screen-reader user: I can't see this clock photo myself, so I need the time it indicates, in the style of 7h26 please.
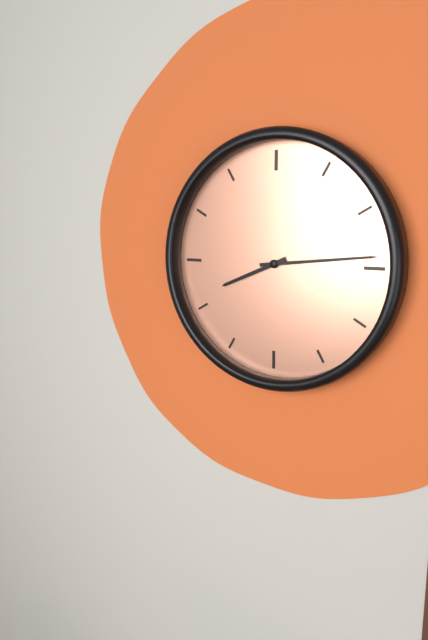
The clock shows 8h14
